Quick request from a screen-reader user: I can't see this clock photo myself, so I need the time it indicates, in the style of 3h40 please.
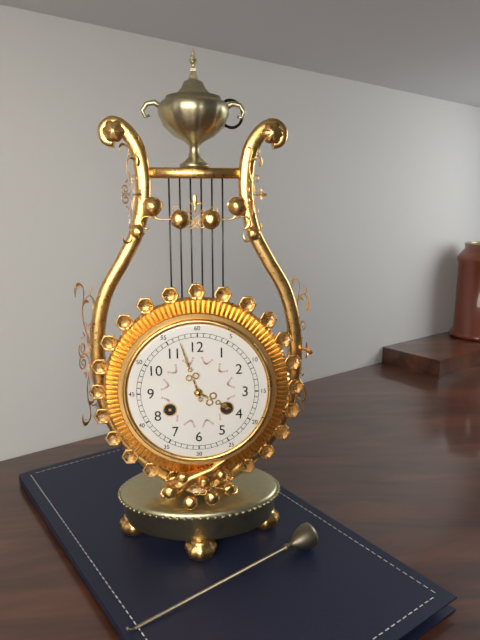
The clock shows 3h57
